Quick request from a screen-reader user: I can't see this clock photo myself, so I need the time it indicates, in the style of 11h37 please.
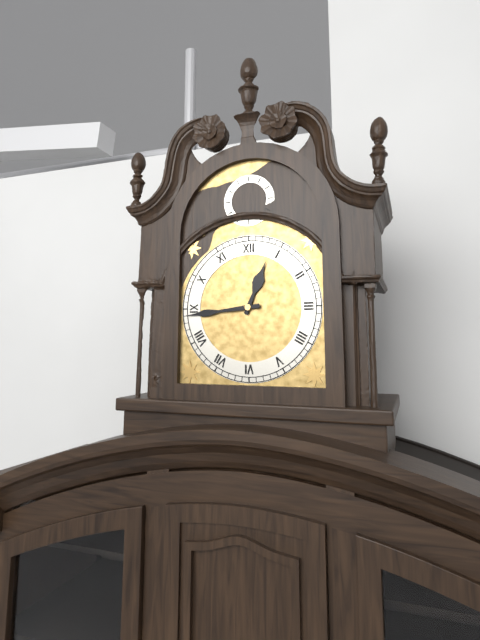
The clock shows 12h44
